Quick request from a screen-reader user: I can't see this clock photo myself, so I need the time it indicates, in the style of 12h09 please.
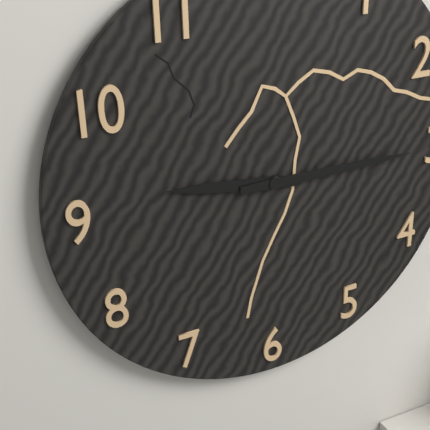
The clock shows 9h15
